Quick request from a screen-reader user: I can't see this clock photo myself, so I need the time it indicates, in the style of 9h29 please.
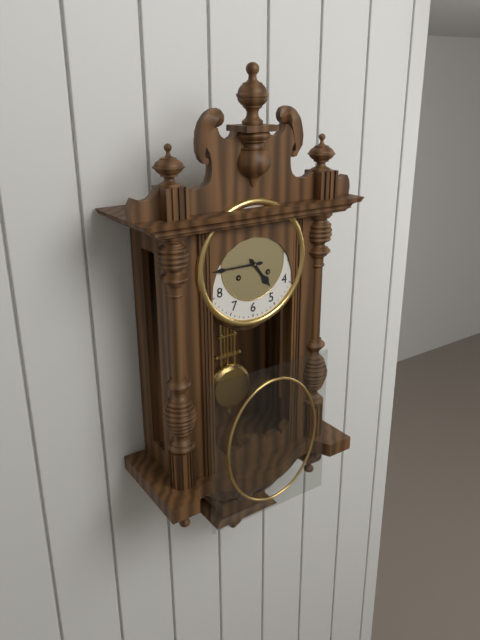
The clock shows 4h45
